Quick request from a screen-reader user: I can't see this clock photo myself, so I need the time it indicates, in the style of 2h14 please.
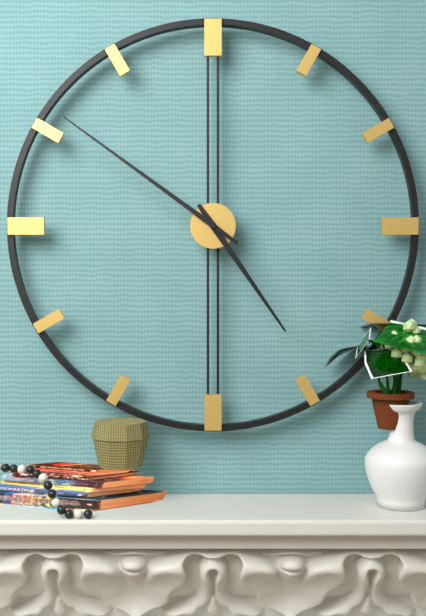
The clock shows 4h51
